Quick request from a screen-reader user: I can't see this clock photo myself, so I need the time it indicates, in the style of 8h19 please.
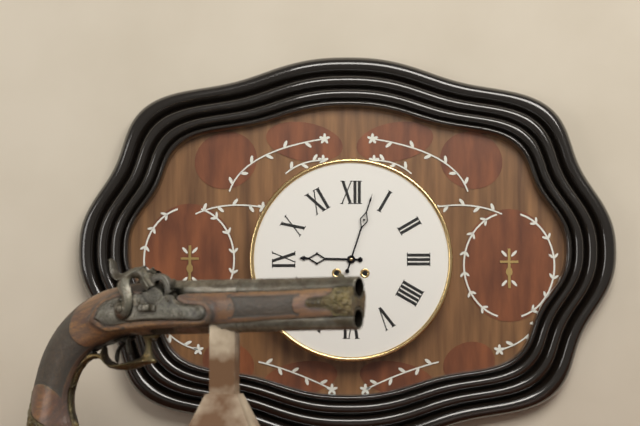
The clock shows 9h03
